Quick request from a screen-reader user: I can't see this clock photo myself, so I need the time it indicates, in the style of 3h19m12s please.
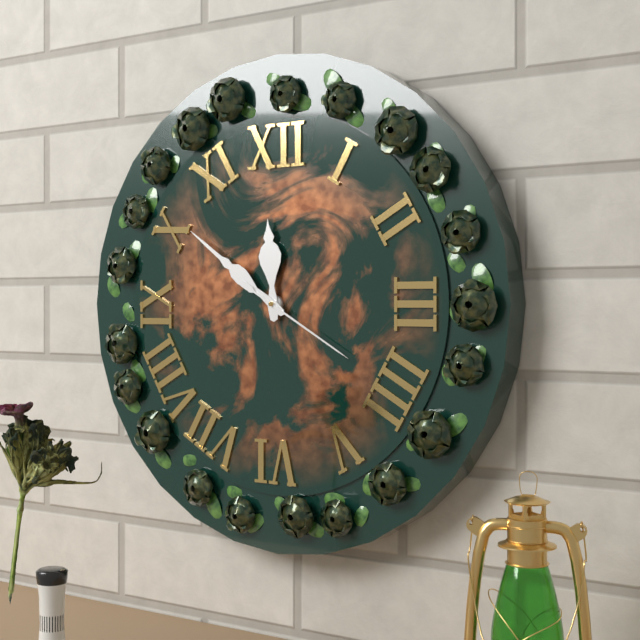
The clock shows 11h51m20s
